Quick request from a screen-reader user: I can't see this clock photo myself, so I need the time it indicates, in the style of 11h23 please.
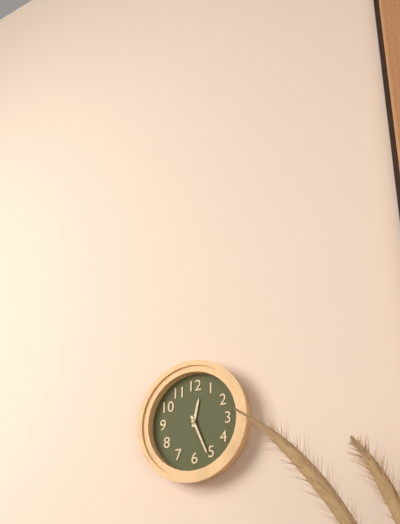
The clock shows 12h26
